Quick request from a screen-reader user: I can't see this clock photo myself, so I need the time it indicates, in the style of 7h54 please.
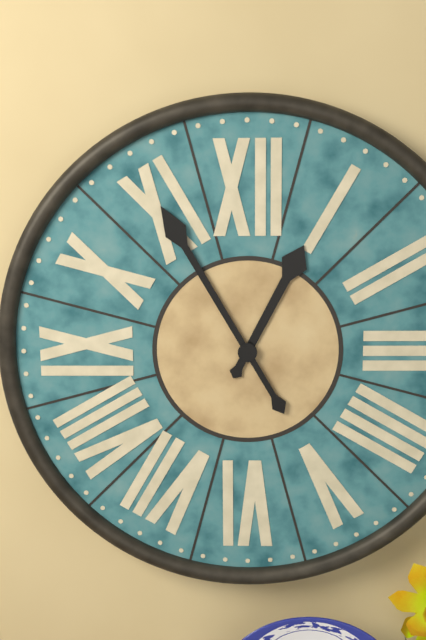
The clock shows 12h55
